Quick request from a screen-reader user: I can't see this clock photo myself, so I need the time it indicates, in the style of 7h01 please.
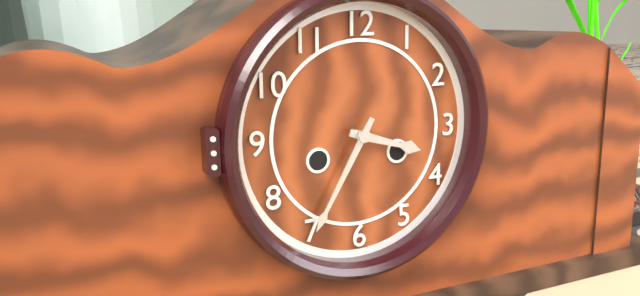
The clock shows 3h35
